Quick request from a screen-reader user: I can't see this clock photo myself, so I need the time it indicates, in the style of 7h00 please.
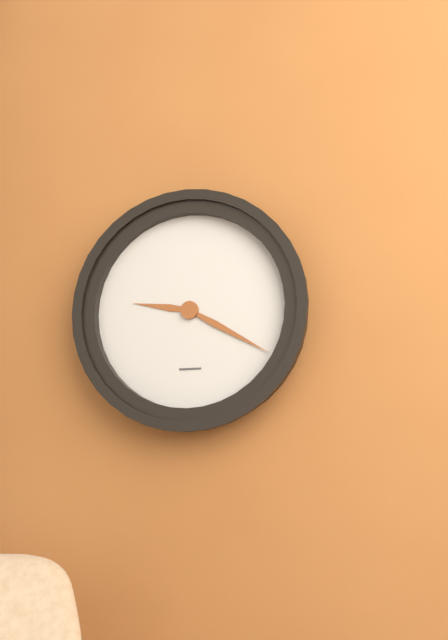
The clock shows 9h20
